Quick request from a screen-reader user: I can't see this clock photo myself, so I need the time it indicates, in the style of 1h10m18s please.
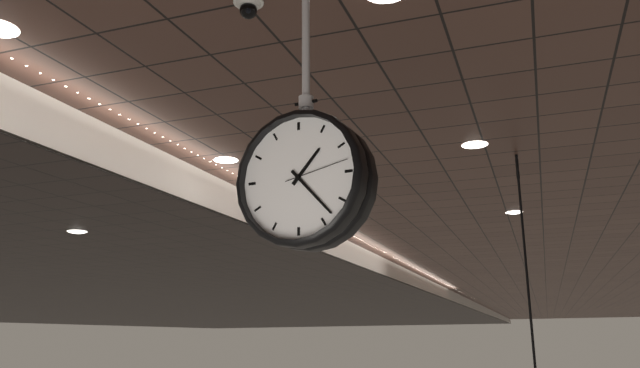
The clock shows 1h23m13s
